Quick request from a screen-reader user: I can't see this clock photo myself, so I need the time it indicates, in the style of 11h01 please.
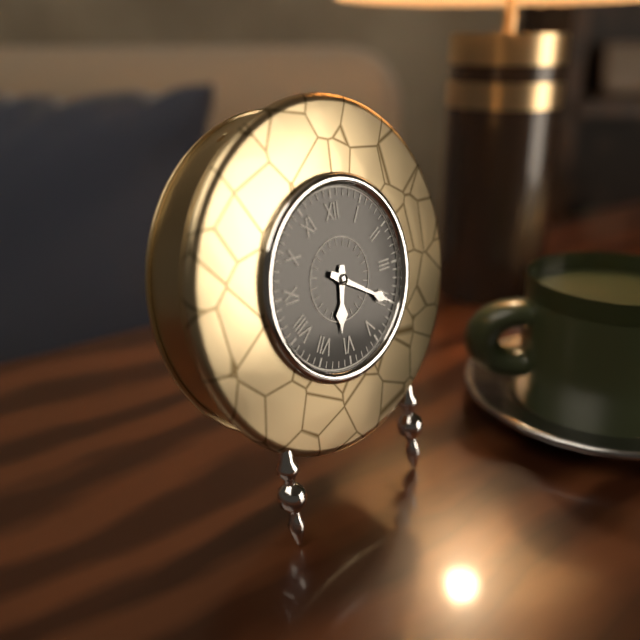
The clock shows 6h20
